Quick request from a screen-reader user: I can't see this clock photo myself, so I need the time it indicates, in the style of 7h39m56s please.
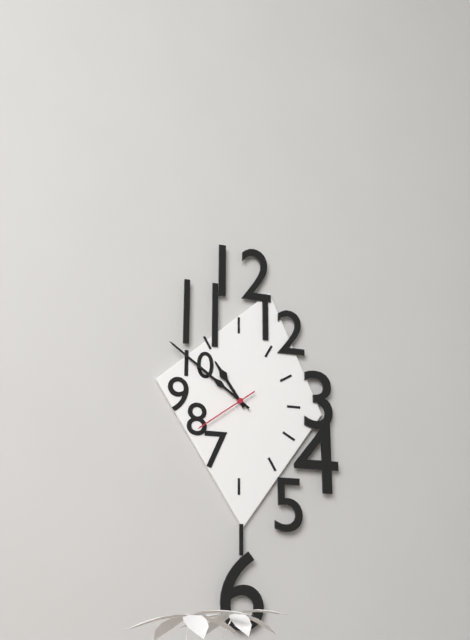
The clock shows 10h51m39s
